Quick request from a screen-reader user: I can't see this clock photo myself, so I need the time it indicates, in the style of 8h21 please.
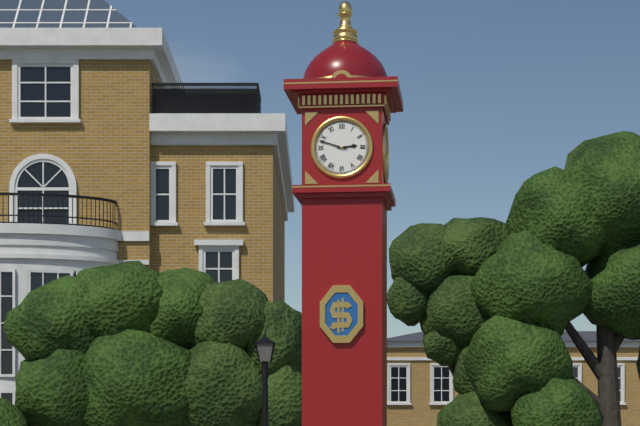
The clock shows 2h48
